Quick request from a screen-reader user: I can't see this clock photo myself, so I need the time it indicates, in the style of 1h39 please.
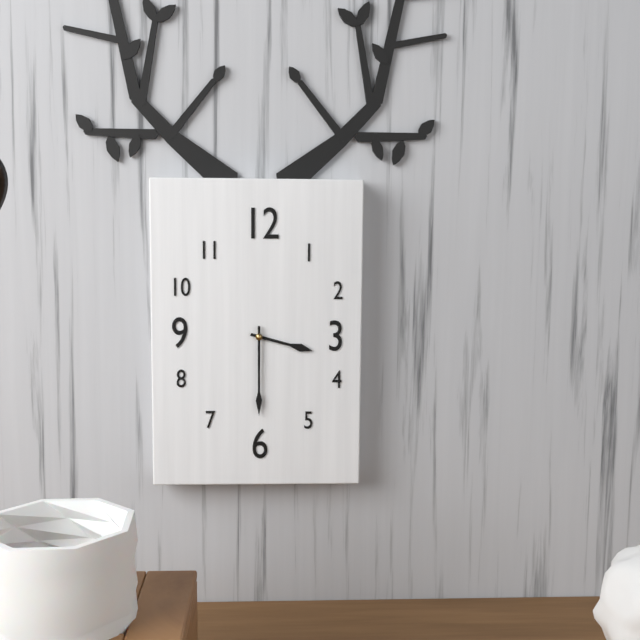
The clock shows 3h30
